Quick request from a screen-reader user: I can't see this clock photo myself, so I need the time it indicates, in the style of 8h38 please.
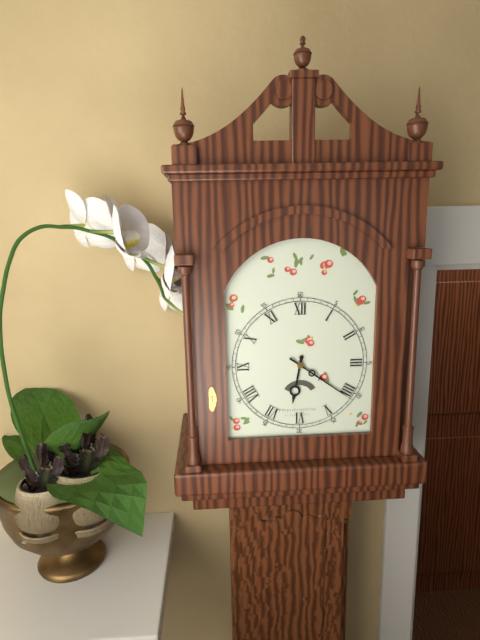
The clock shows 6h21
